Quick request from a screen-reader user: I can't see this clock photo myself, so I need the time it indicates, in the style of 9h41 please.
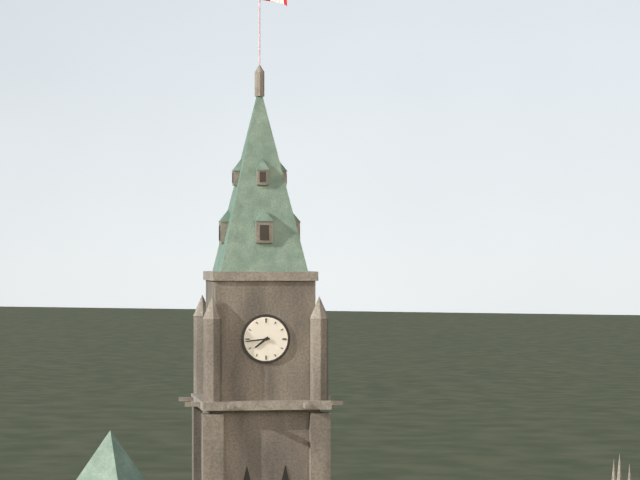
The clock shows 7h44
